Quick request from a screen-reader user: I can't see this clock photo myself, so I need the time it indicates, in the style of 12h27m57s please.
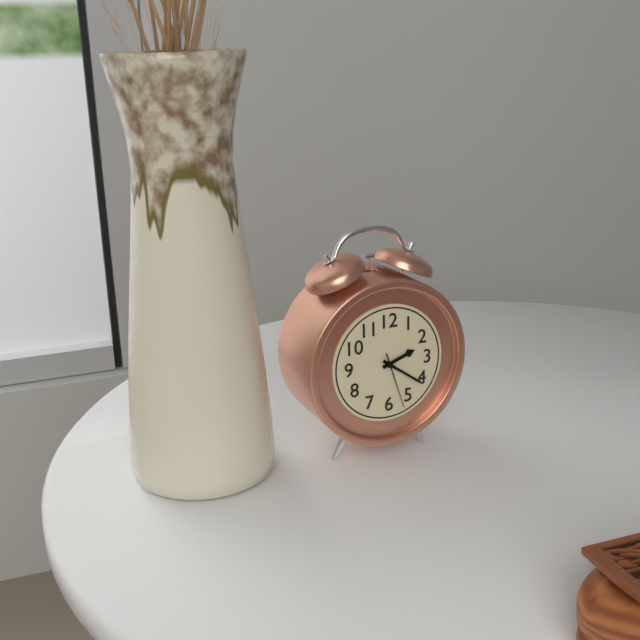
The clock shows 2h21m27s
